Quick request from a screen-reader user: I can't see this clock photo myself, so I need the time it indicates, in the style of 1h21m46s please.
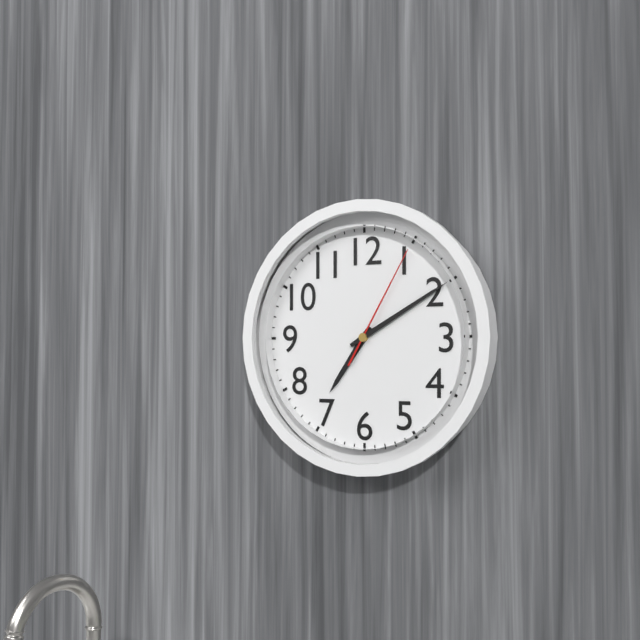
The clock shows 7h10m05s
